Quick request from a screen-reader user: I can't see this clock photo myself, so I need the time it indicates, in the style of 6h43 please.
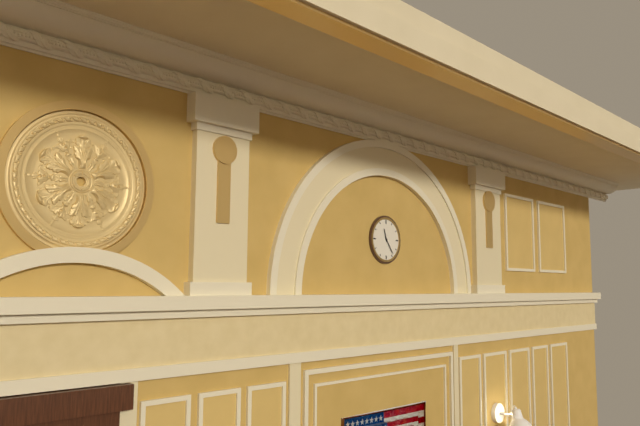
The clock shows 11h24
